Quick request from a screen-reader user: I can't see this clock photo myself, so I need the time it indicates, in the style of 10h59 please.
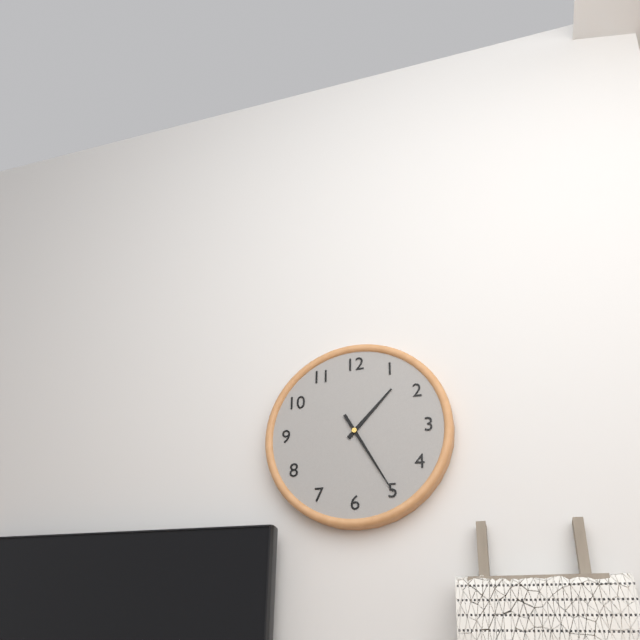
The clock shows 1h25
